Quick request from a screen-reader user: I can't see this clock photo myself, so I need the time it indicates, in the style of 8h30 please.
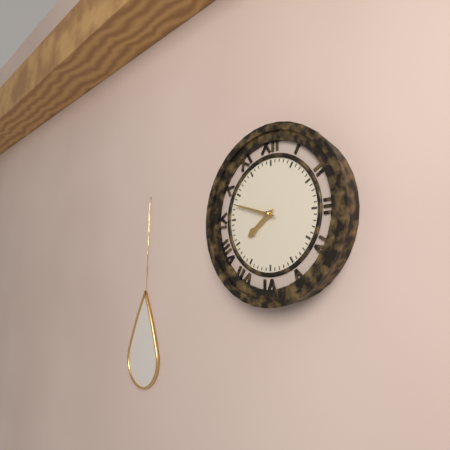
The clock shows 7h48
